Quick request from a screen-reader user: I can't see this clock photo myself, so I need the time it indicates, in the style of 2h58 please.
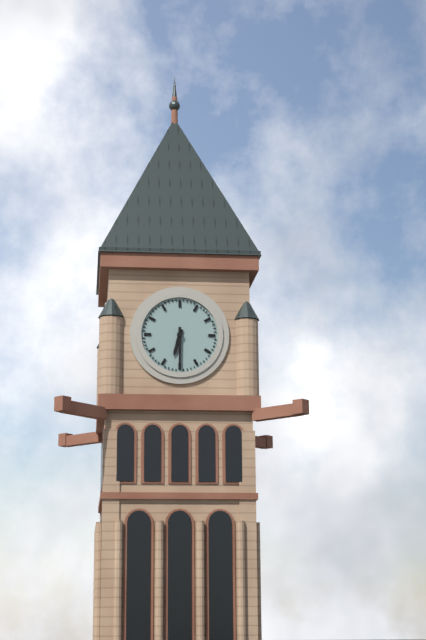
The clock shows 6h30
